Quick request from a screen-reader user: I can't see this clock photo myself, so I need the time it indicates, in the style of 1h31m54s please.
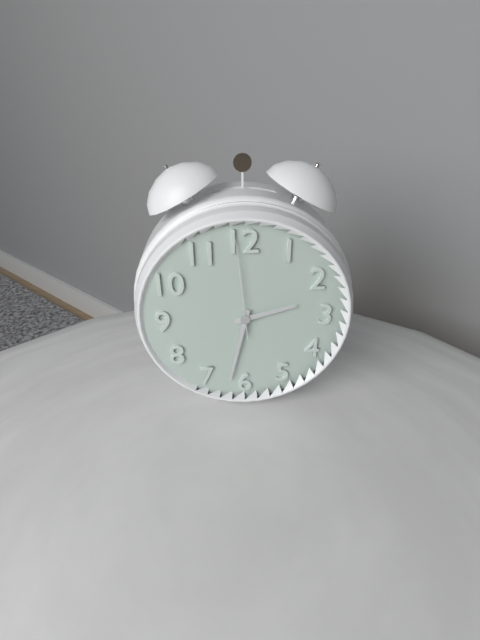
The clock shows 2h32m59s
